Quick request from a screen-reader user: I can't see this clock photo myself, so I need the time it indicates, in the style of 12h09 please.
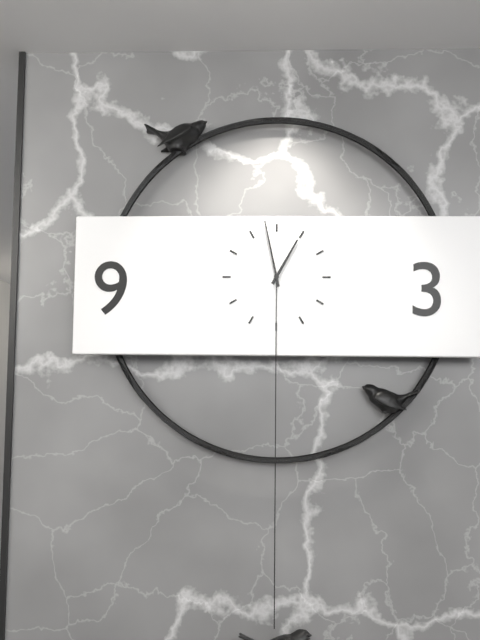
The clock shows 12h58
